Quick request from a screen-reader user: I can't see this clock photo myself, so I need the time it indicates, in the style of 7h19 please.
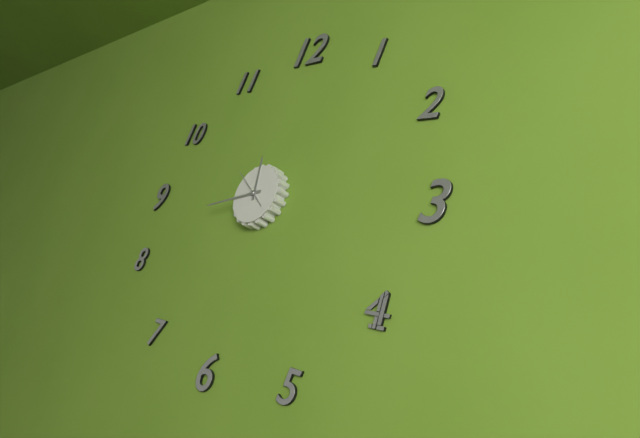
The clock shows 11h43
